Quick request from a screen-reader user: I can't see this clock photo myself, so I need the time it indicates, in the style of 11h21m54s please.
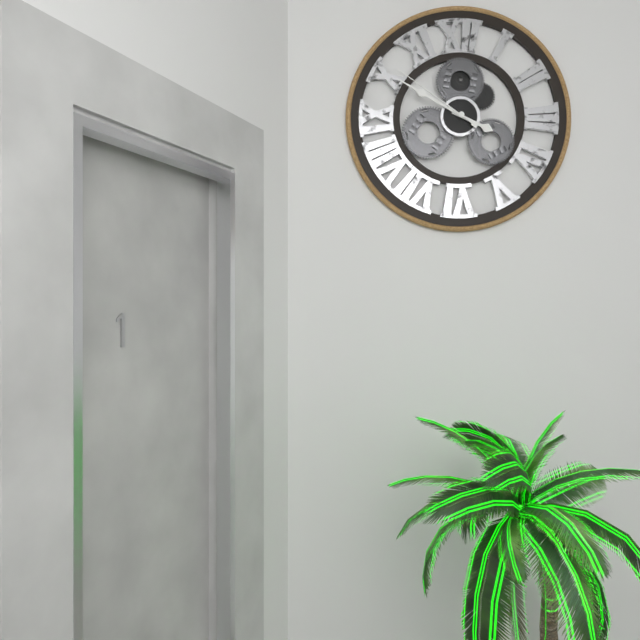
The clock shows 3h50m51s
